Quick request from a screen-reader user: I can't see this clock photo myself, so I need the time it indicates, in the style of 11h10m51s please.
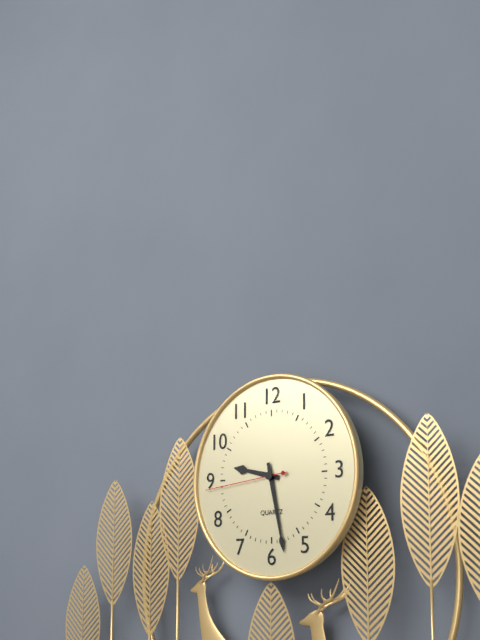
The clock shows 9h28m44s
